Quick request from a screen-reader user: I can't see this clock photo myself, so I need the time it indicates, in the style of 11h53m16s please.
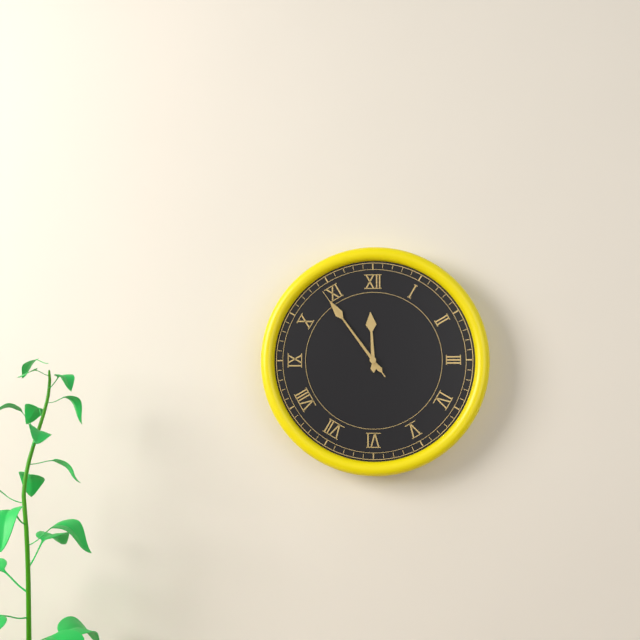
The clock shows 11h54m54s
